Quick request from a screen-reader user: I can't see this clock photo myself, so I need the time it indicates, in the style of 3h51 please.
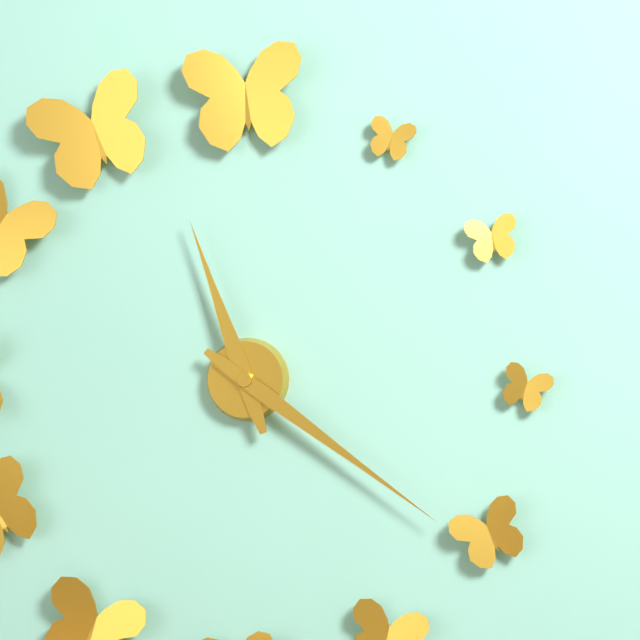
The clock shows 11h21
